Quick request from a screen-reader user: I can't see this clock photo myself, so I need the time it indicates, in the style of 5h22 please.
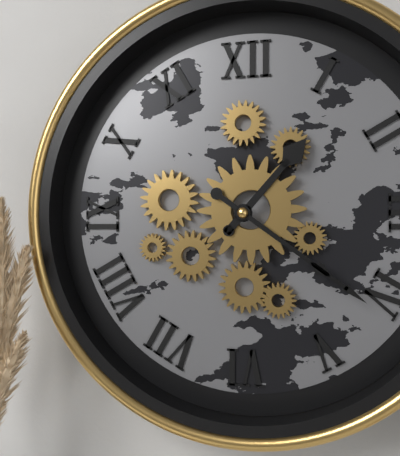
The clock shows 1h21
